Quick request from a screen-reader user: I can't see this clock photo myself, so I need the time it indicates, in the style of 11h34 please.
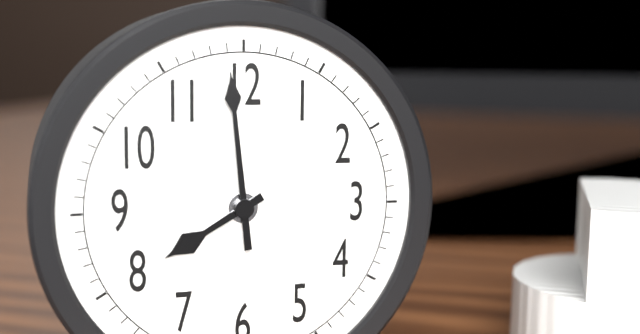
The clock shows 7h59
